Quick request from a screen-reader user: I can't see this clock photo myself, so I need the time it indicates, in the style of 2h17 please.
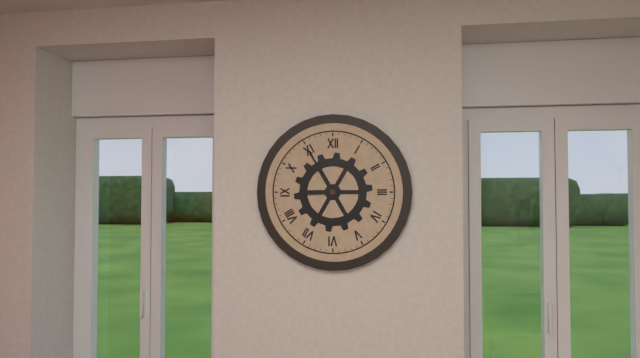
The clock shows 8h55
